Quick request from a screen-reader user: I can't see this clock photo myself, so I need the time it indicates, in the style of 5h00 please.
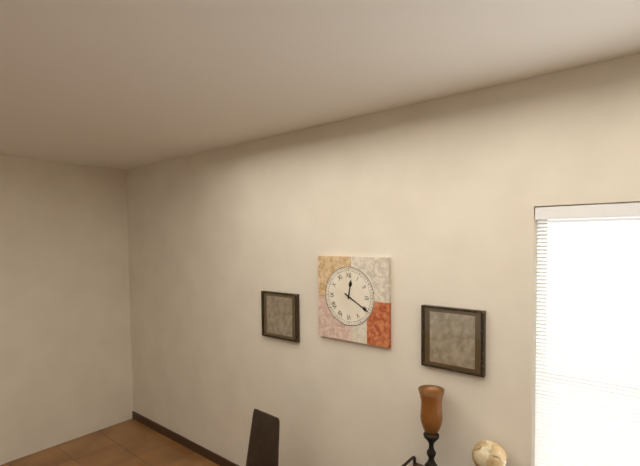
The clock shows 12h20
